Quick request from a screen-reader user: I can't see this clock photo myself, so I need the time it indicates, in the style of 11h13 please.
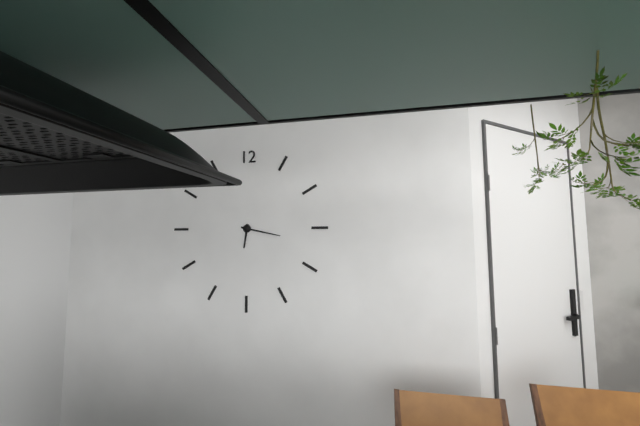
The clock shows 6h17
